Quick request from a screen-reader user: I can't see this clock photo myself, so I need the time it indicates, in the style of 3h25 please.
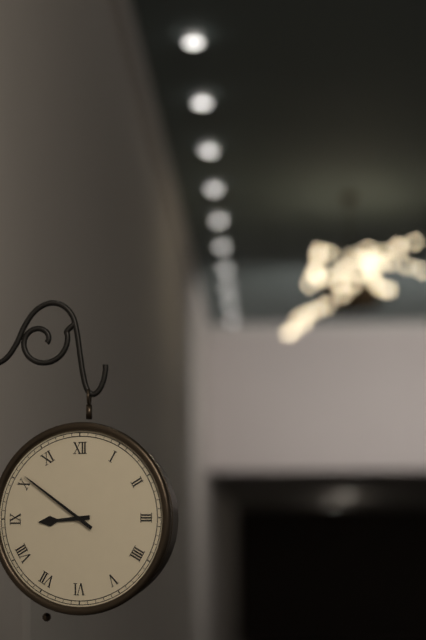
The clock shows 8h51
